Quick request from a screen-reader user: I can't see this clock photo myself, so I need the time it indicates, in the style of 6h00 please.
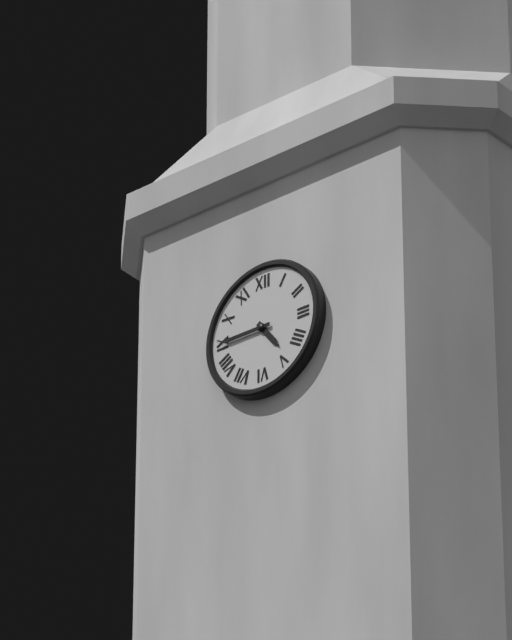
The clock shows 4h45
